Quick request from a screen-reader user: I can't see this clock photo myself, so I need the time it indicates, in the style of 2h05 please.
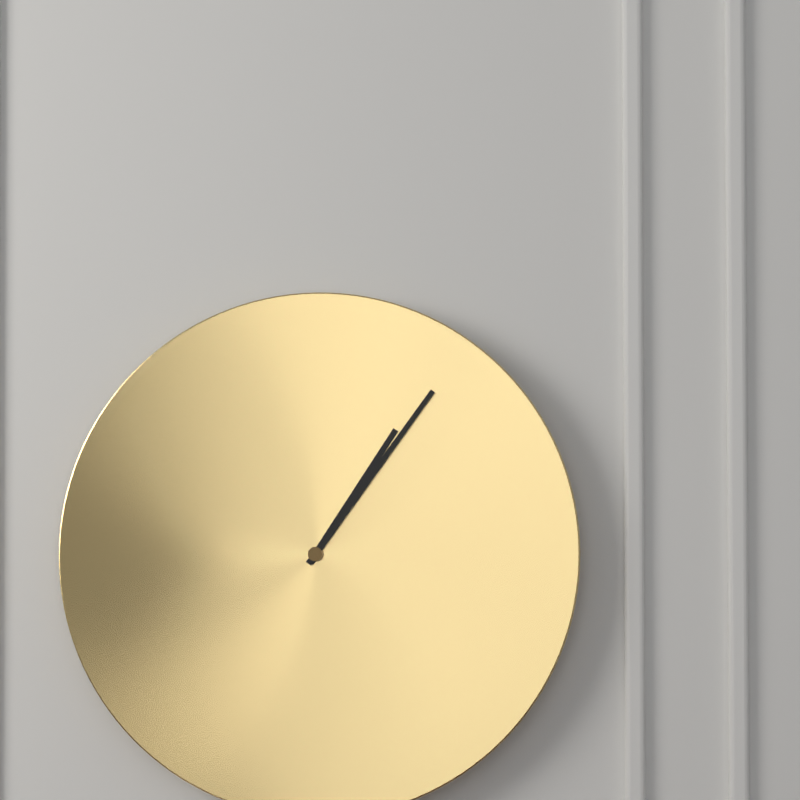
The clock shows 1h06
